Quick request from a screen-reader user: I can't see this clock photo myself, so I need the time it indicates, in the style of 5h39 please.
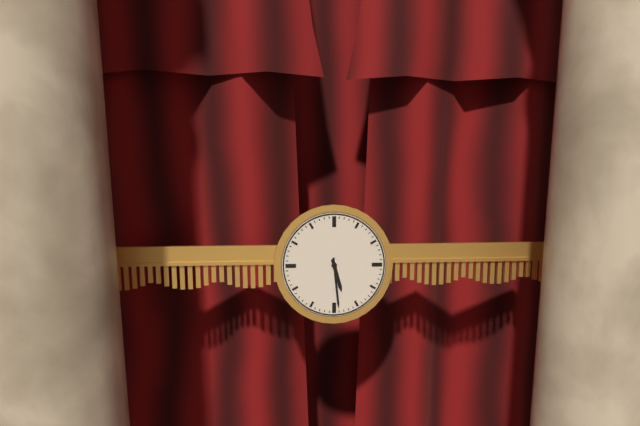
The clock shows 5h29
